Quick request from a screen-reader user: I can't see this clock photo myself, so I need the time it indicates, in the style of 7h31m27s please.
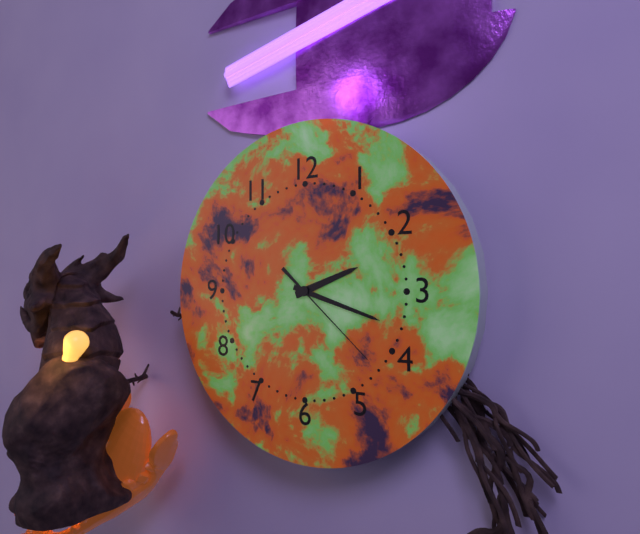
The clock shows 2h18m22s
